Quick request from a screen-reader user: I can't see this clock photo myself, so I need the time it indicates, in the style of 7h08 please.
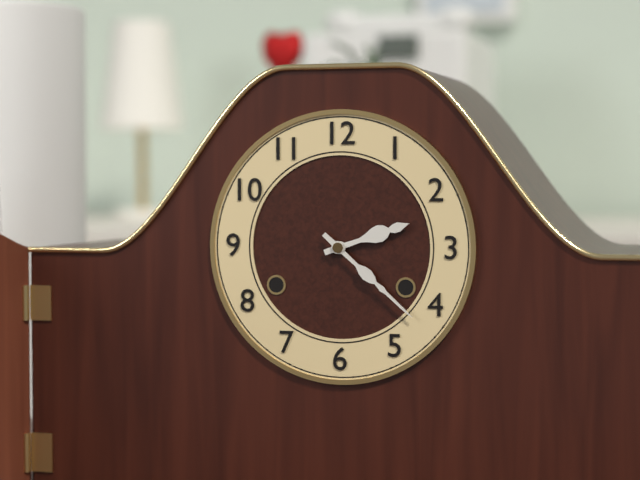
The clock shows 2h22
